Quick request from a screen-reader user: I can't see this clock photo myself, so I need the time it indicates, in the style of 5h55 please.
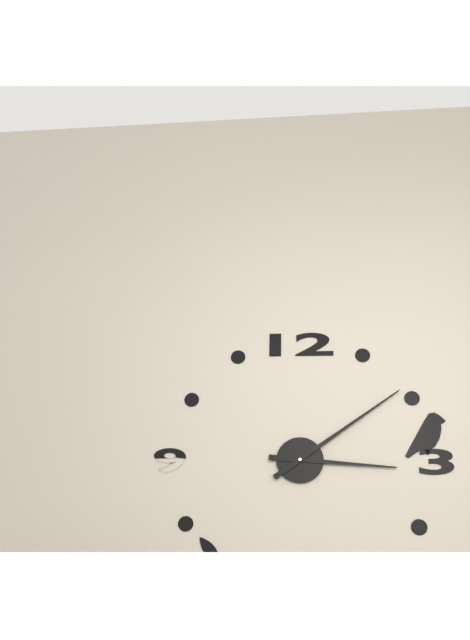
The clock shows 3h09
